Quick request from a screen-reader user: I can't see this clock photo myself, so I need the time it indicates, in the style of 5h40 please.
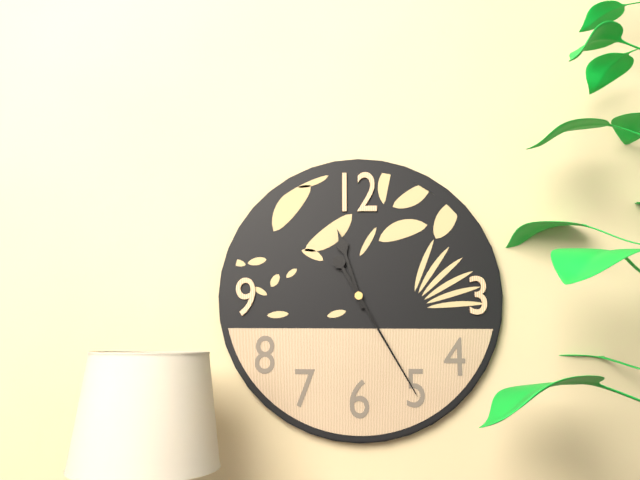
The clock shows 11h25
